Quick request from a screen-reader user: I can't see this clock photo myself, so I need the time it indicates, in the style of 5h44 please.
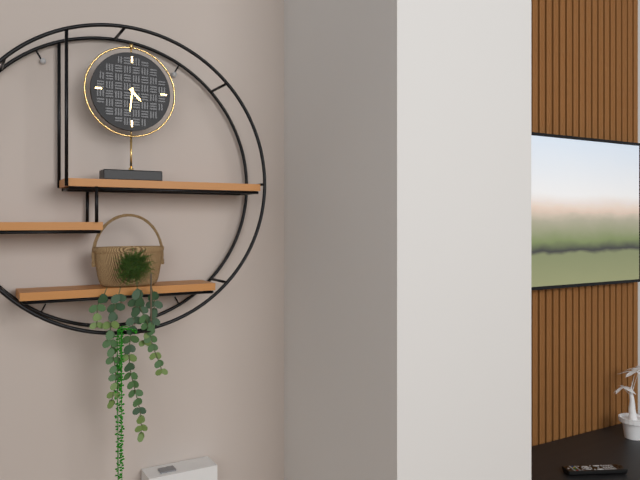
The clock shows 4h31
